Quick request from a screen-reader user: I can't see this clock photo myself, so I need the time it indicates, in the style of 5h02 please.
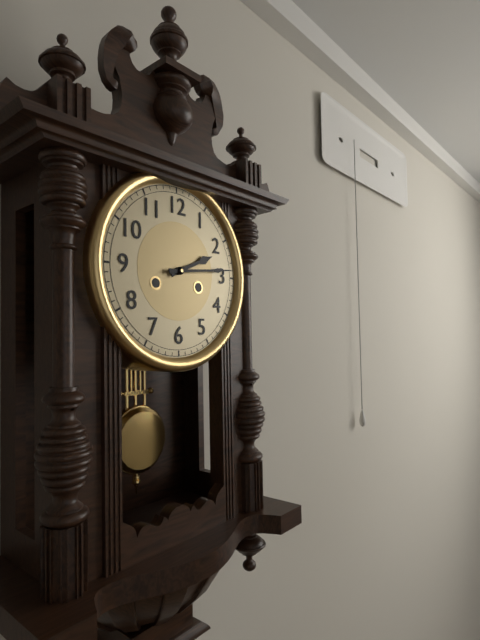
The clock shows 2h14
